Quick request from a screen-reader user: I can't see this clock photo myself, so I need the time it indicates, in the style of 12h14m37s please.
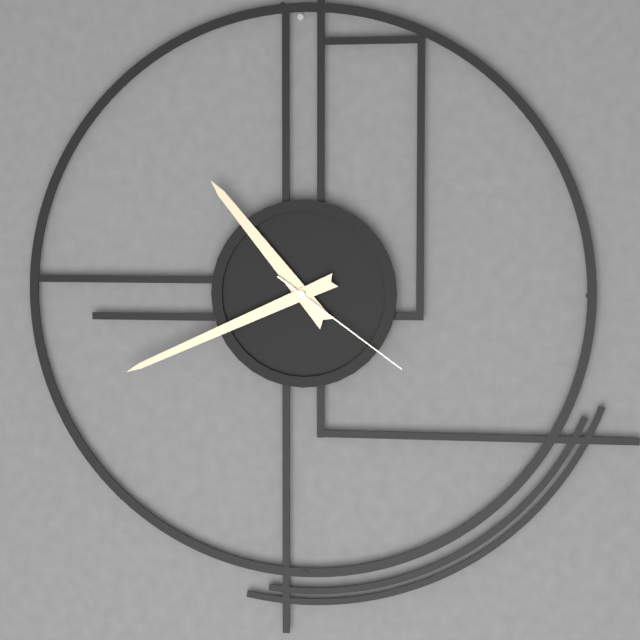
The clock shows 10h41m21s
